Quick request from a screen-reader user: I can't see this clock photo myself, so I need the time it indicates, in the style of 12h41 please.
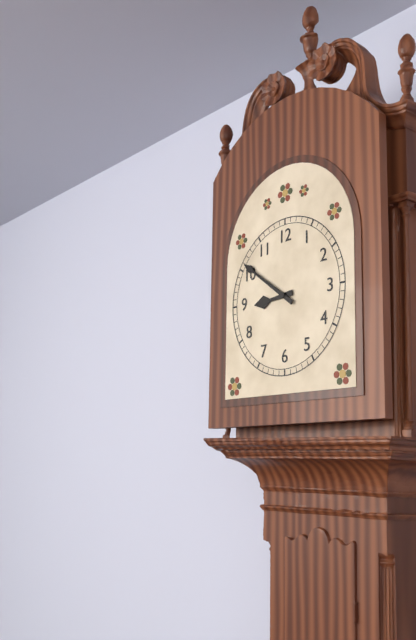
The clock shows 8h51
